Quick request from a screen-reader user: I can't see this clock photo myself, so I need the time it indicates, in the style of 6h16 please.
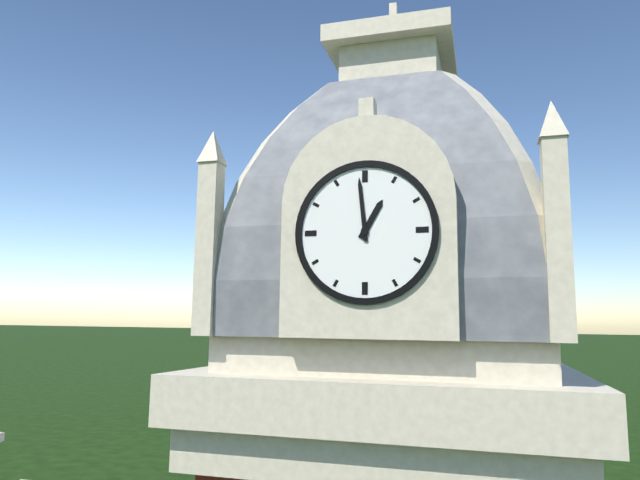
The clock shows 12h59
